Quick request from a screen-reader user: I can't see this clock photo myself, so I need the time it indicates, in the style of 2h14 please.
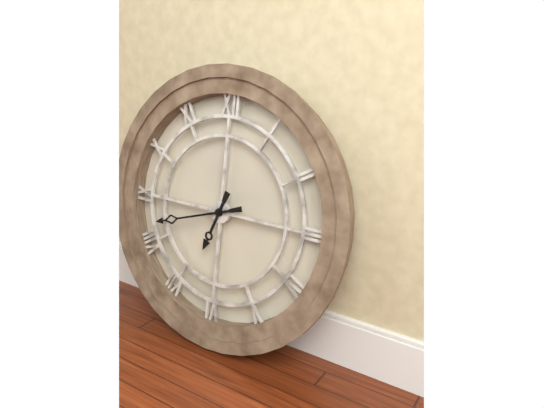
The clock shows 6h42
